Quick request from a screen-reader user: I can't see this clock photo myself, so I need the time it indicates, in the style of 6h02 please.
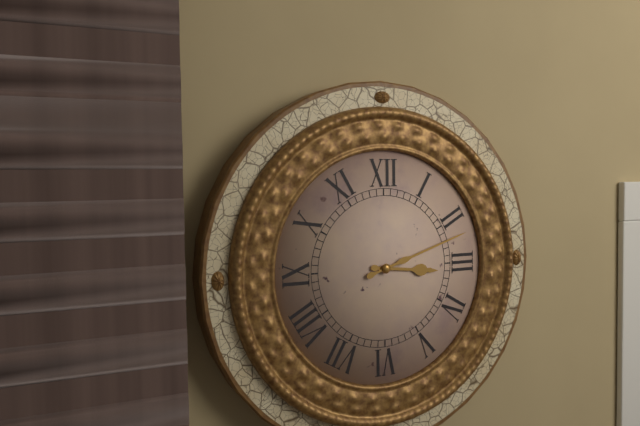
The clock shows 3h12
